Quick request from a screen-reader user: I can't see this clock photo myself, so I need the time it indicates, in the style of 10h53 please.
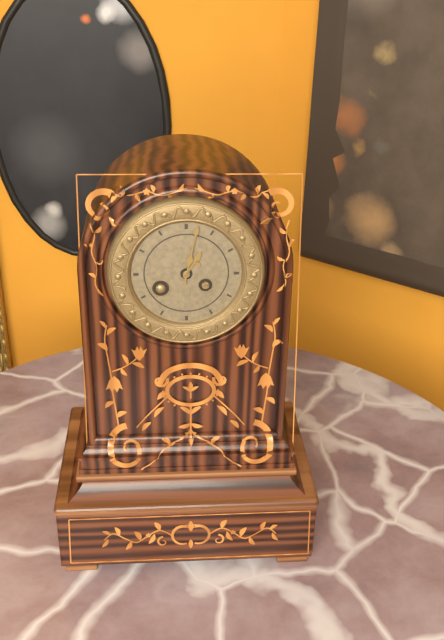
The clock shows 1h02
